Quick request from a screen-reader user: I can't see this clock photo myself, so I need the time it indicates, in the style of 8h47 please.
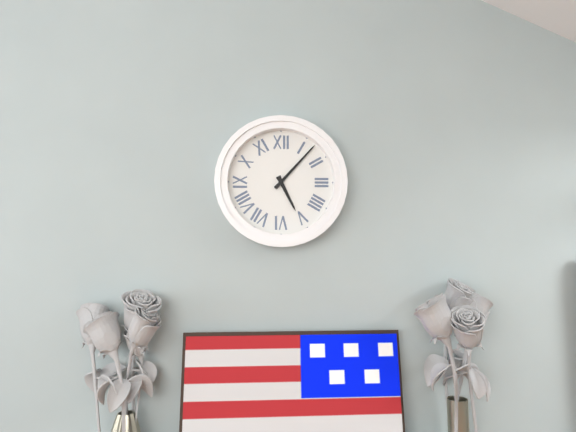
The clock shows 5h07
